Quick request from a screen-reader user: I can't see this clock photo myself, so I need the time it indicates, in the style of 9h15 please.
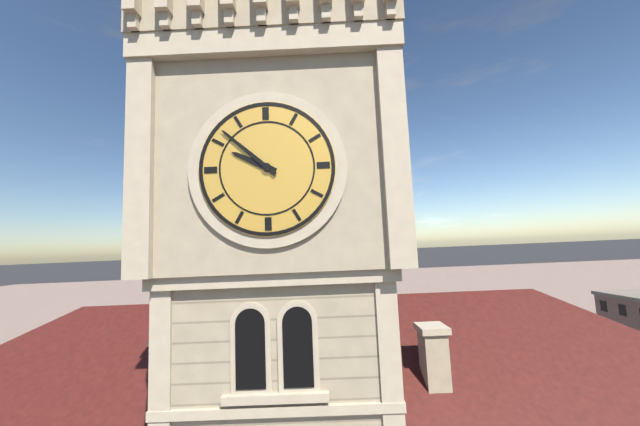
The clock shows 9h52
